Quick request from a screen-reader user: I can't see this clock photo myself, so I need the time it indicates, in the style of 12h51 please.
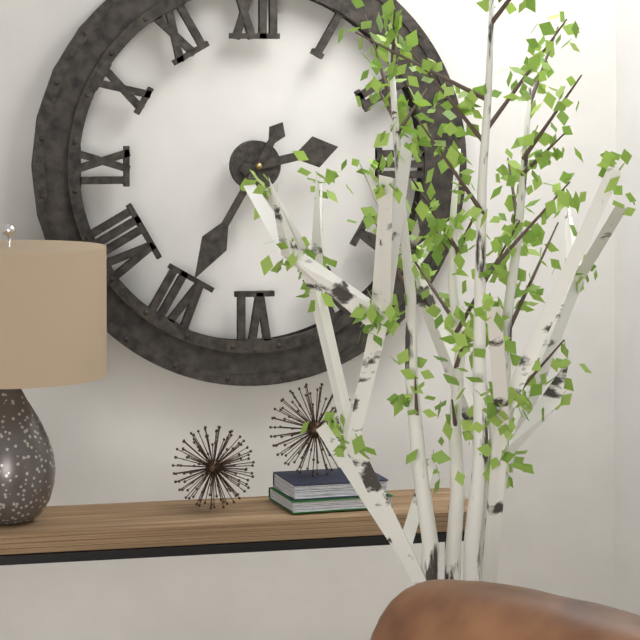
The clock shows 2h35
